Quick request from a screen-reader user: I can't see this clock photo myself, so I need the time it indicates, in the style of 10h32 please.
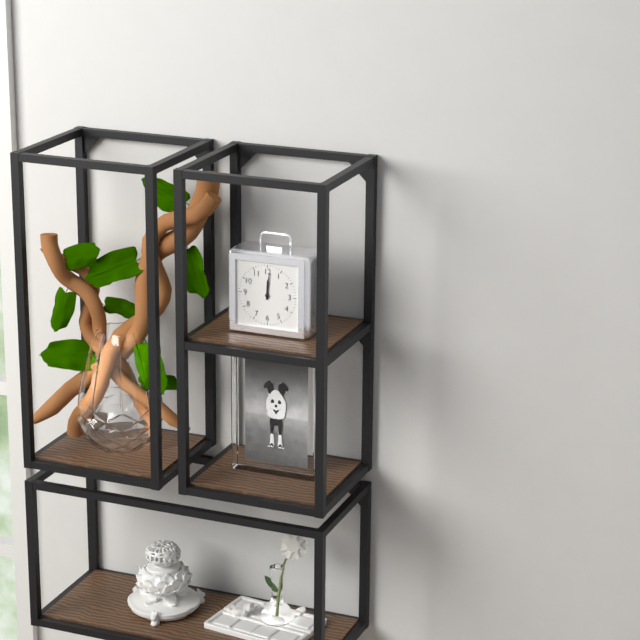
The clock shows 12h01
